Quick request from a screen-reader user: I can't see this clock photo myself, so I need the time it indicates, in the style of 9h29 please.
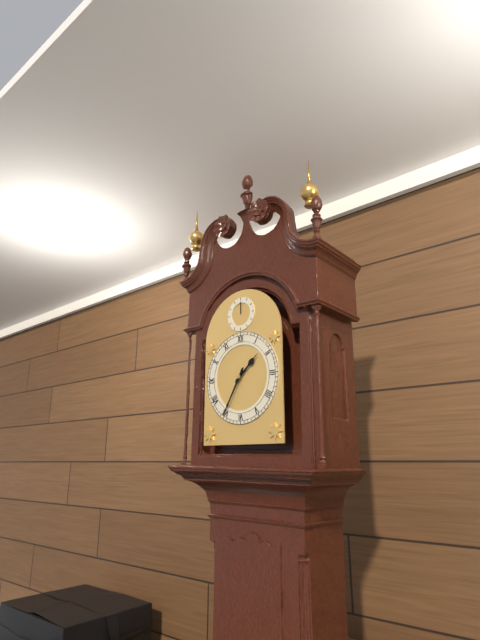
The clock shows 1h35
